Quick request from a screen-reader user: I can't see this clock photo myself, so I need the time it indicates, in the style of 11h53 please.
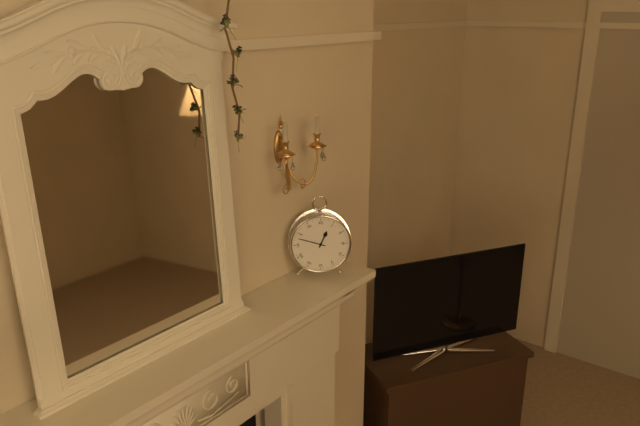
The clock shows 12h48
